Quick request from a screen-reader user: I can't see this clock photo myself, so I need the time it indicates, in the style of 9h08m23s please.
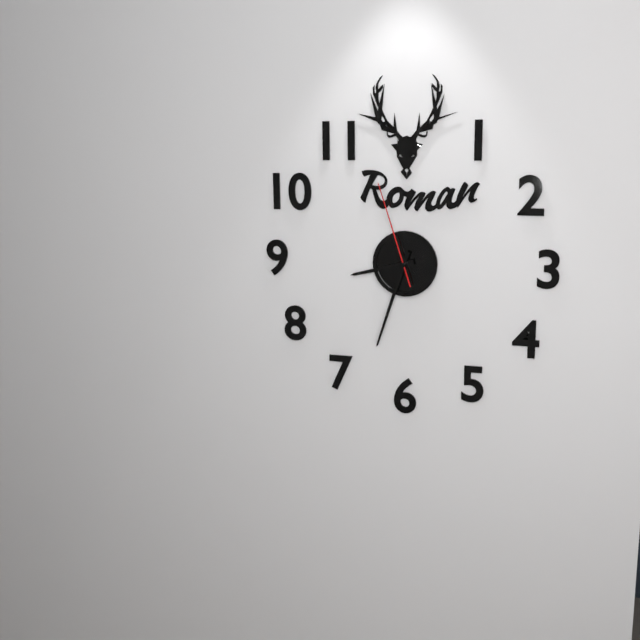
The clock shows 8h33m57s
